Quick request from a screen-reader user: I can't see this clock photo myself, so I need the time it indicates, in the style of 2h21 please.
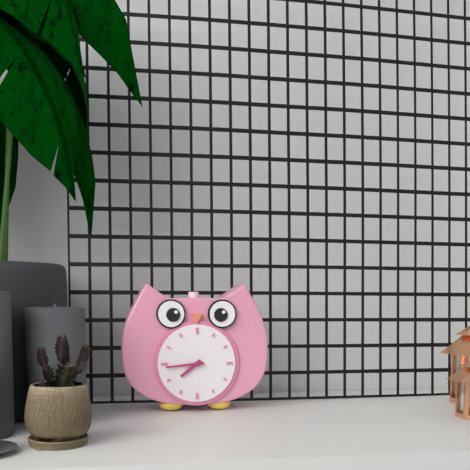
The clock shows 7h44
